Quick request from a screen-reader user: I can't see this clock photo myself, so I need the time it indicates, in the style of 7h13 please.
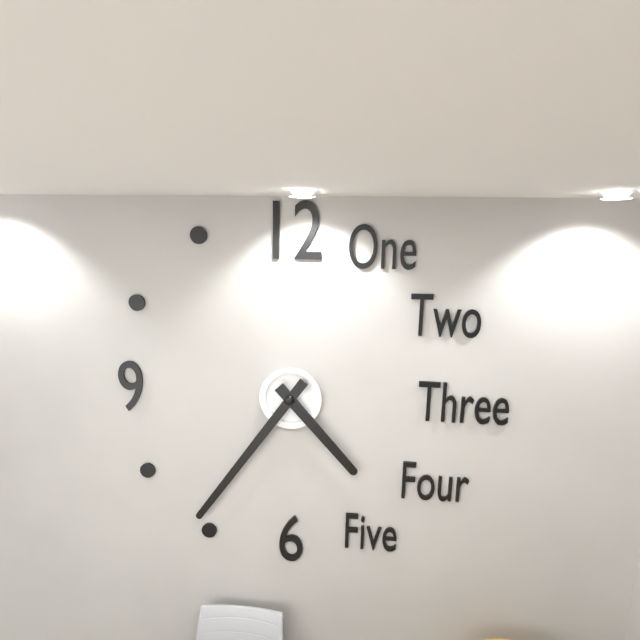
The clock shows 4h36
